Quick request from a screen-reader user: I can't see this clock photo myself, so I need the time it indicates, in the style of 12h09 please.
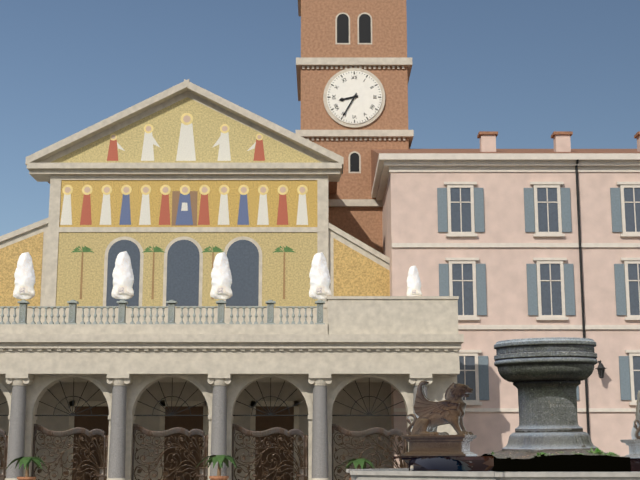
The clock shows 8h35
